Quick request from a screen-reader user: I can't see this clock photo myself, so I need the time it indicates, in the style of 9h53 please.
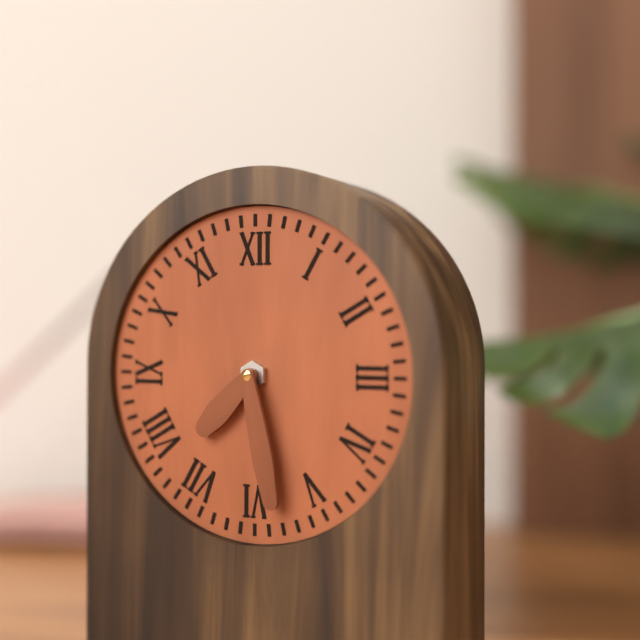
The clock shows 7h28
